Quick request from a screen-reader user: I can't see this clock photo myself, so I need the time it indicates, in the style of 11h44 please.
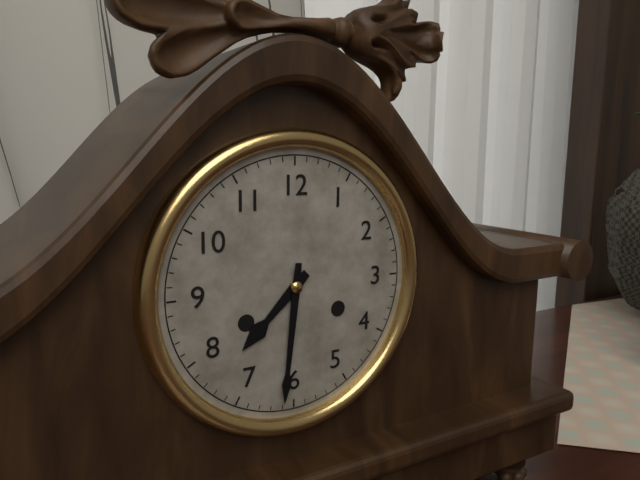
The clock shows 7h31
